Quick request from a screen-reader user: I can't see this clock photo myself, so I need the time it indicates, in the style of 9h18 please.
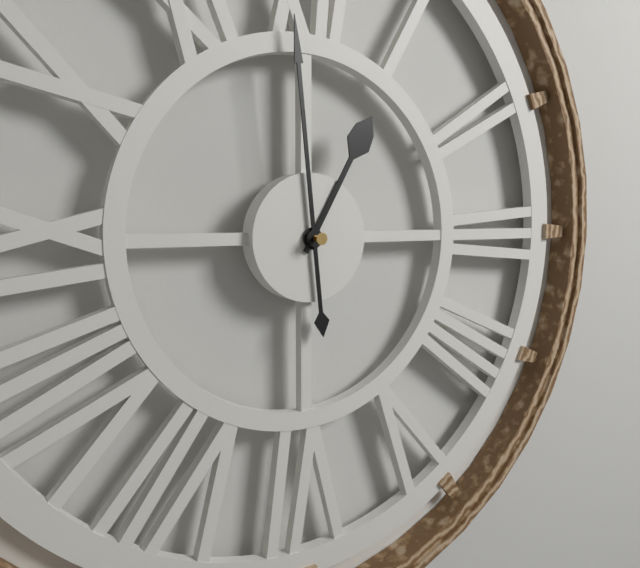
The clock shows 12h59
